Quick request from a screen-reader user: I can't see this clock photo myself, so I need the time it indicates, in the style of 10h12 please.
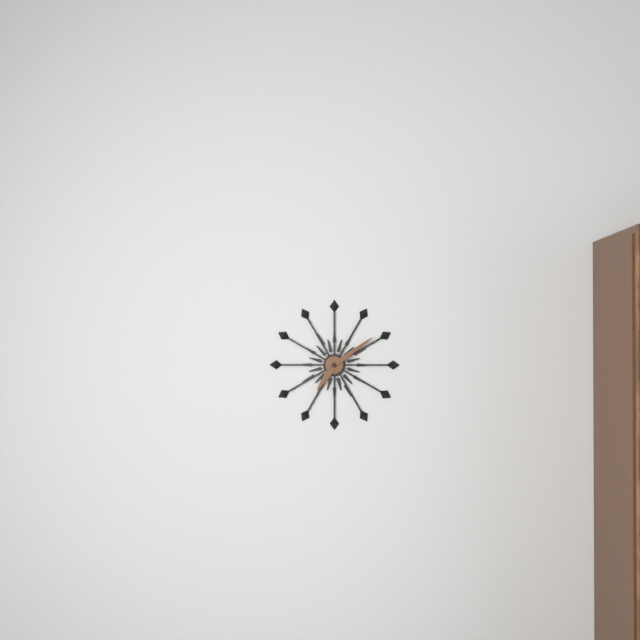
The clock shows 7h09
